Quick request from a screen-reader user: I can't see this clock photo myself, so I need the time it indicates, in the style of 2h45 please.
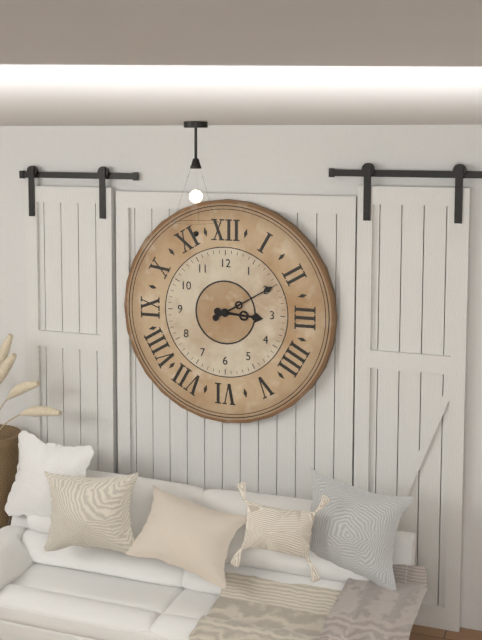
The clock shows 3h10
